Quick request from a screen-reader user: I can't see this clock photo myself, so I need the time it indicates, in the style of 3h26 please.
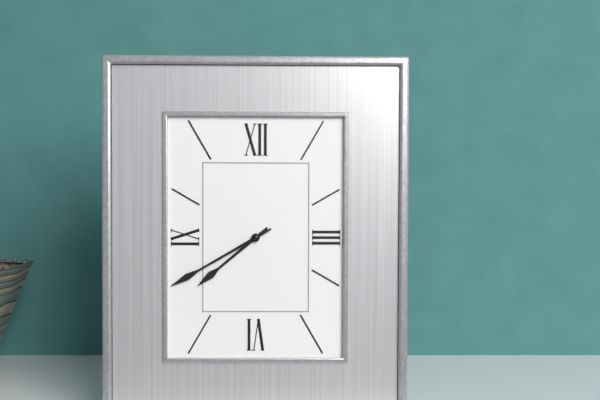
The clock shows 7h40
